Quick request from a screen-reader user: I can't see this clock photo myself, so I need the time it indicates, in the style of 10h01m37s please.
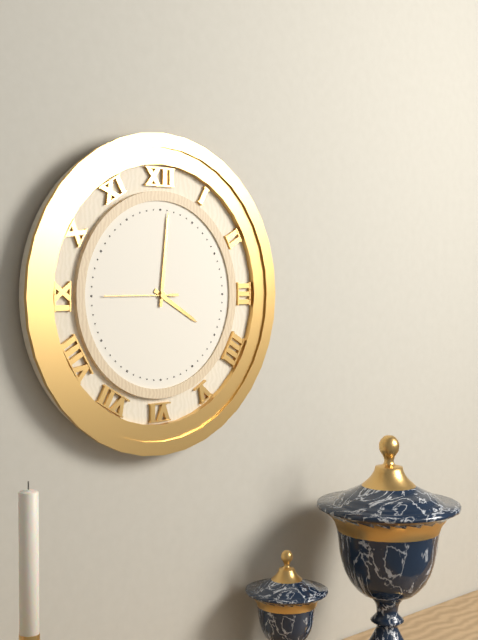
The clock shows 4h01m45s
